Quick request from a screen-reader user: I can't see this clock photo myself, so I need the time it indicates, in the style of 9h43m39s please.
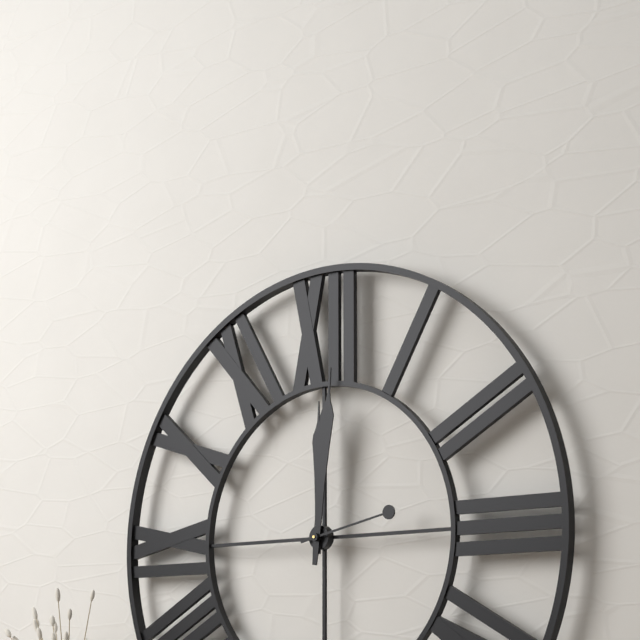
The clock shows 12h01m13s
